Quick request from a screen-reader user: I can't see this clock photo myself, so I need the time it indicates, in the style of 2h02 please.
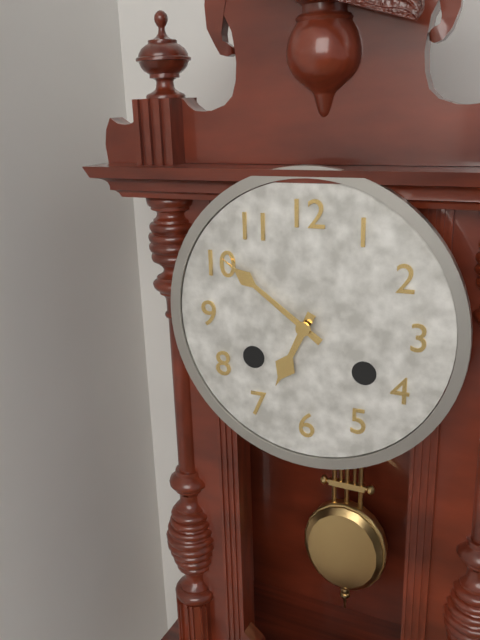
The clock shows 6h51
